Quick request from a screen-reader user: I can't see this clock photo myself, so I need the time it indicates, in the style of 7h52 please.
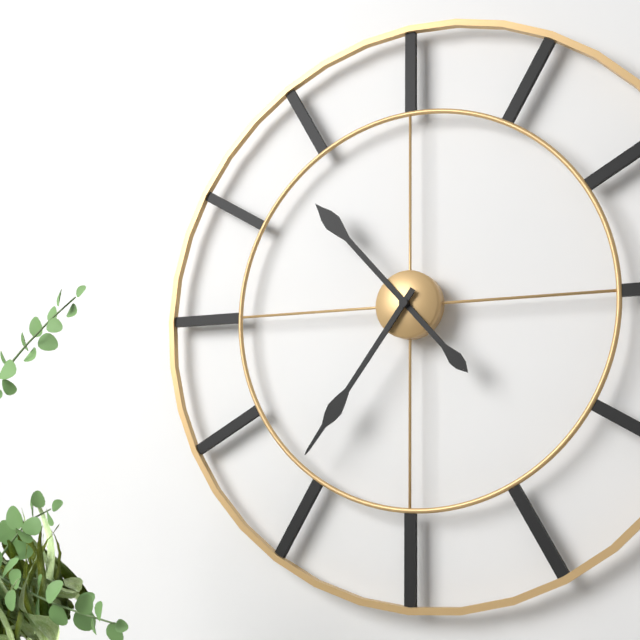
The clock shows 10h36
